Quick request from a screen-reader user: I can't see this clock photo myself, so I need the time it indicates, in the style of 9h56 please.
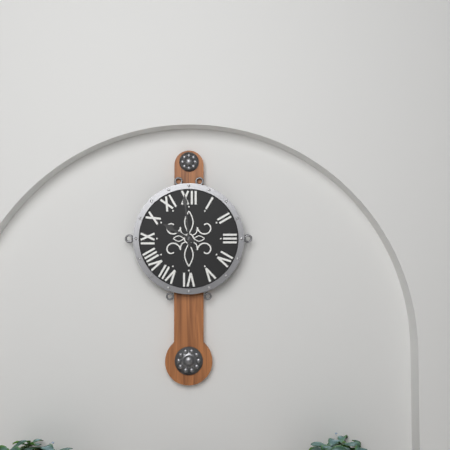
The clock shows 9h59
